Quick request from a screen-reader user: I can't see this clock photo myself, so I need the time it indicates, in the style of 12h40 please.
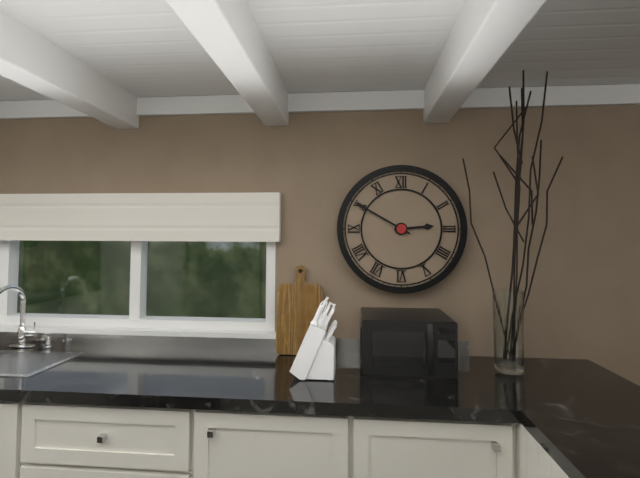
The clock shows 2h50
